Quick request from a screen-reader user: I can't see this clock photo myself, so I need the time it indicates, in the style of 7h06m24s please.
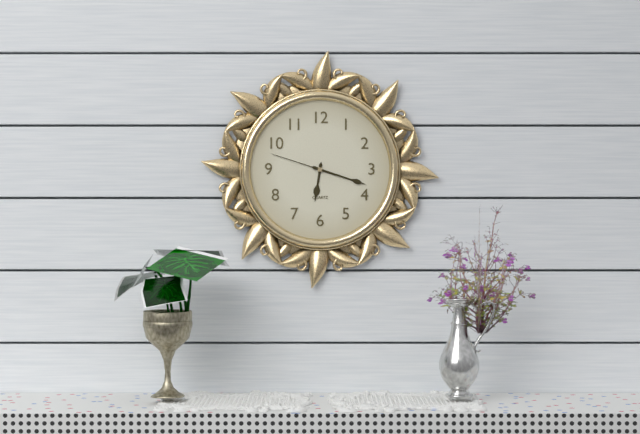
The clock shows 6h18m48s
